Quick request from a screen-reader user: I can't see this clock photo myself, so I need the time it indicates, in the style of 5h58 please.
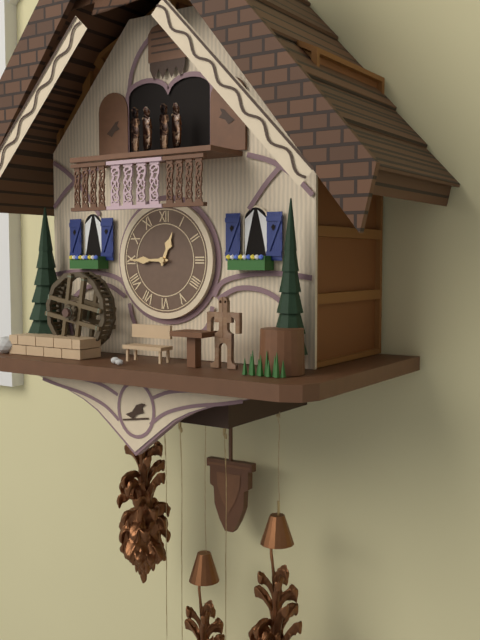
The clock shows 12h45
